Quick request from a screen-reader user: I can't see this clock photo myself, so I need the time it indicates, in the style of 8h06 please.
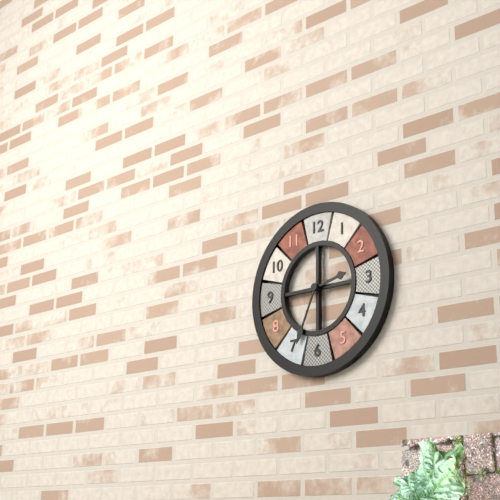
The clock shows 2h34
